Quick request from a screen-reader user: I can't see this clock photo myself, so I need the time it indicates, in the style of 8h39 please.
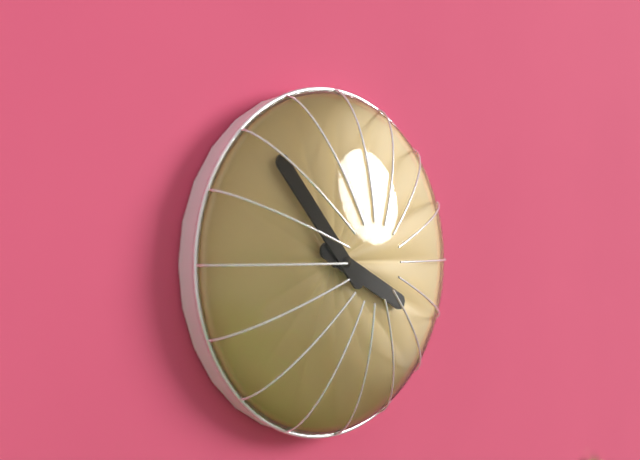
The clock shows 3h53
